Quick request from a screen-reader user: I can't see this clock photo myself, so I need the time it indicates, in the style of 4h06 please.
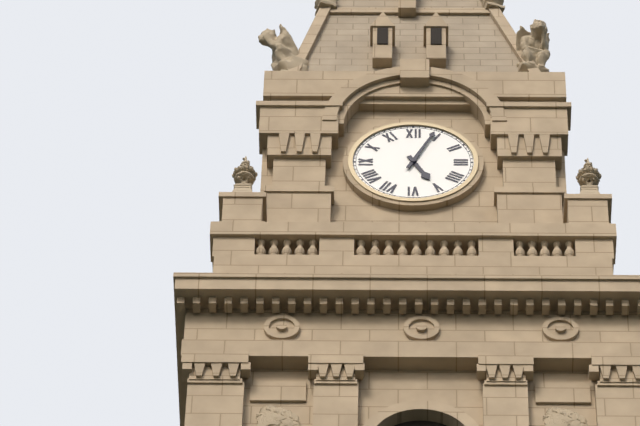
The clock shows 5h04
